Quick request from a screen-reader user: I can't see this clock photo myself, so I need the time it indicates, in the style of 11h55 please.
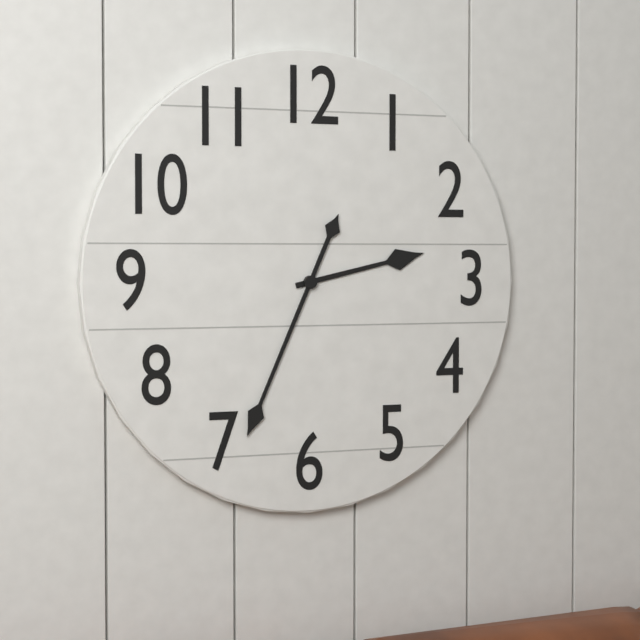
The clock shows 2h34
